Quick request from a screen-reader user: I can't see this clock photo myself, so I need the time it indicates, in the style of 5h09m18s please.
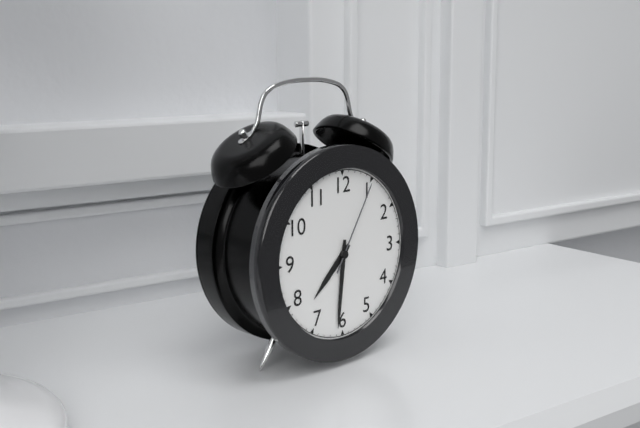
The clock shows 7h31m05s
